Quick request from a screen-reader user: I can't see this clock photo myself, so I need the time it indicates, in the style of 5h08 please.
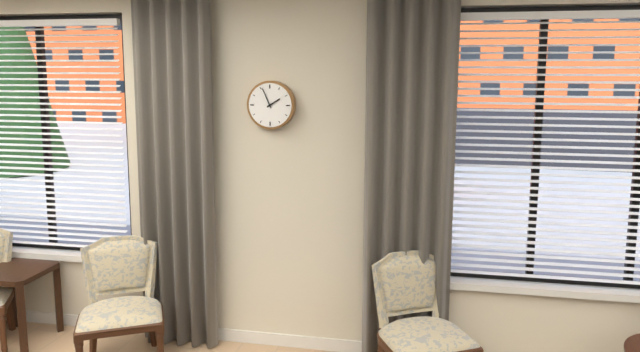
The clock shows 1h56
